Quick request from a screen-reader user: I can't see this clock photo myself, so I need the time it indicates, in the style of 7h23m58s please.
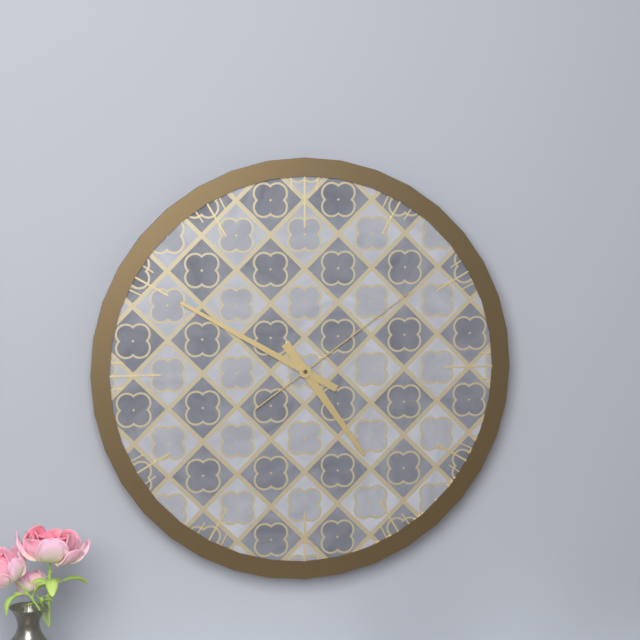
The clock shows 4h50m09s
